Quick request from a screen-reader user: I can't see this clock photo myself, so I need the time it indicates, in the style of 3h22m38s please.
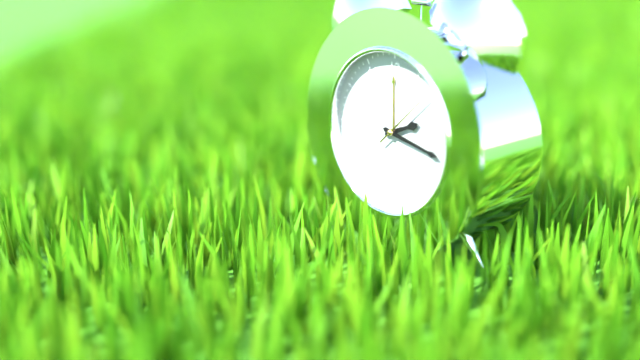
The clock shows 2h17m08s
